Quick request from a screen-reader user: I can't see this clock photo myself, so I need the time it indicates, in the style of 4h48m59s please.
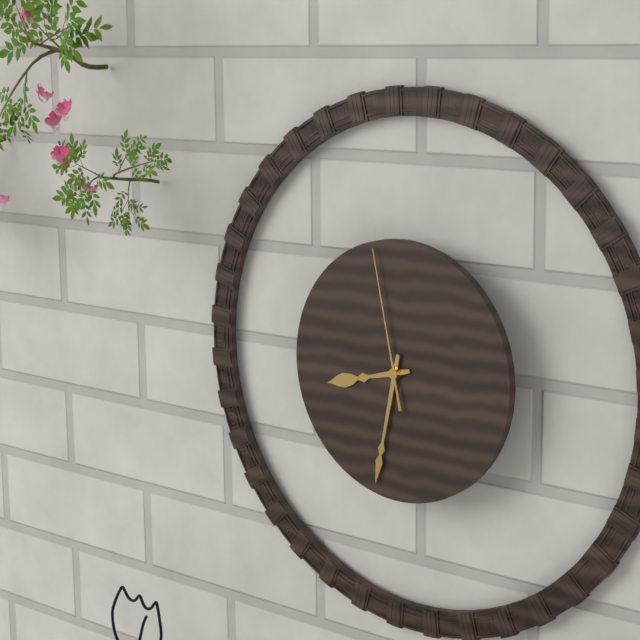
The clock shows 8h32m58s
